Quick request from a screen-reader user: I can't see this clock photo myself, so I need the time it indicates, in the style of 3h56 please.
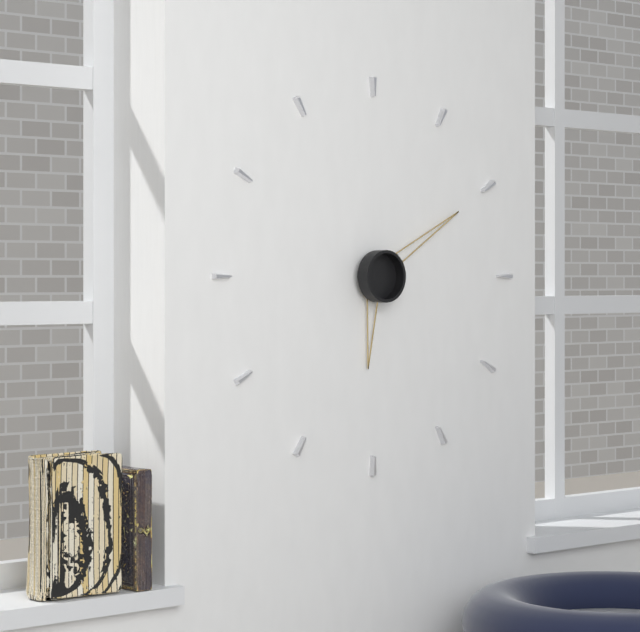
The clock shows 6h10
